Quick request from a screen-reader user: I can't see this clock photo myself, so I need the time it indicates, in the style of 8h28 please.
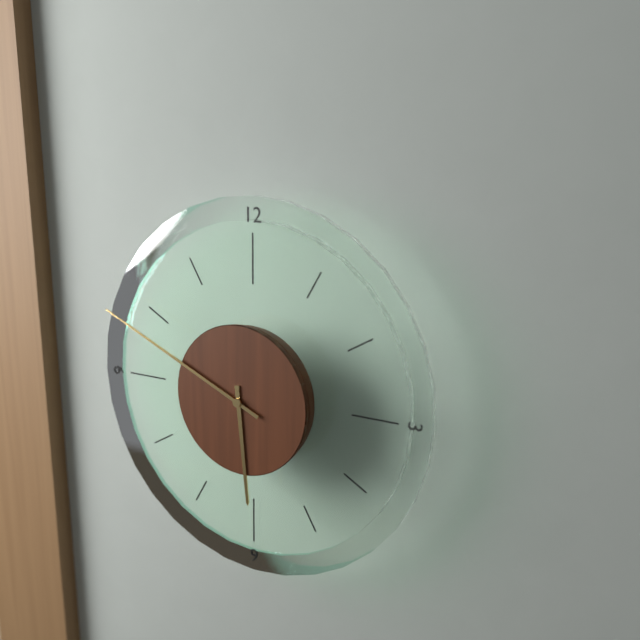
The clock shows 5h49
